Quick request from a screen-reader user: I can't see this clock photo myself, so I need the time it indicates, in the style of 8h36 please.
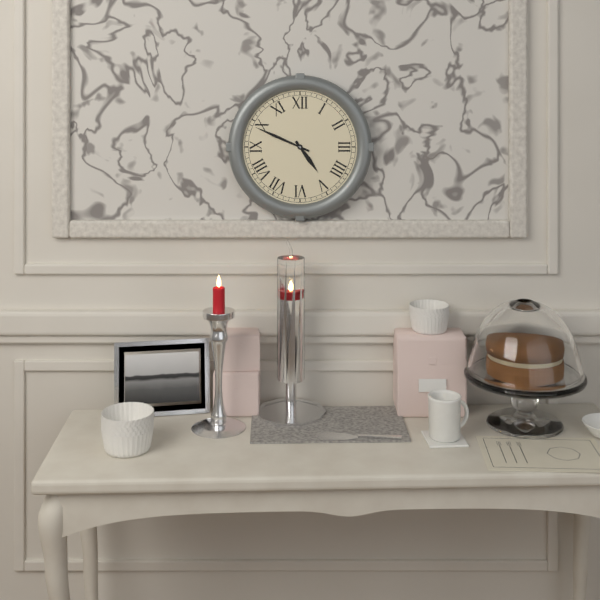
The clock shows 4h49
